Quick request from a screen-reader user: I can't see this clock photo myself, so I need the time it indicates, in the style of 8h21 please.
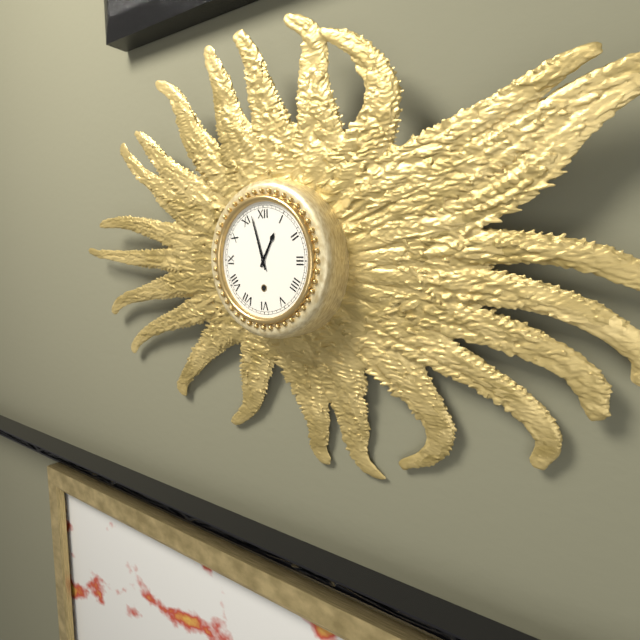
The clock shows 12h57
